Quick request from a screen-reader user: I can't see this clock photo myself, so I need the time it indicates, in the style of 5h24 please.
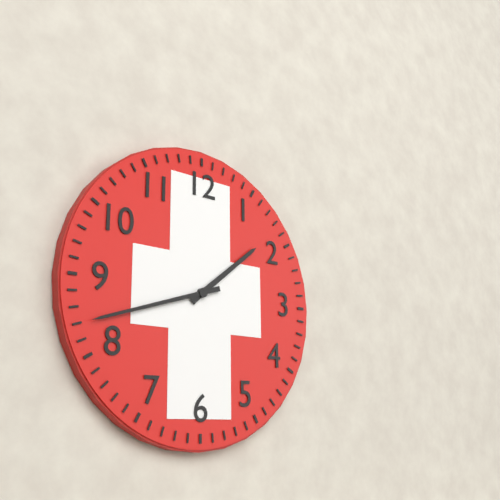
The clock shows 1h42
